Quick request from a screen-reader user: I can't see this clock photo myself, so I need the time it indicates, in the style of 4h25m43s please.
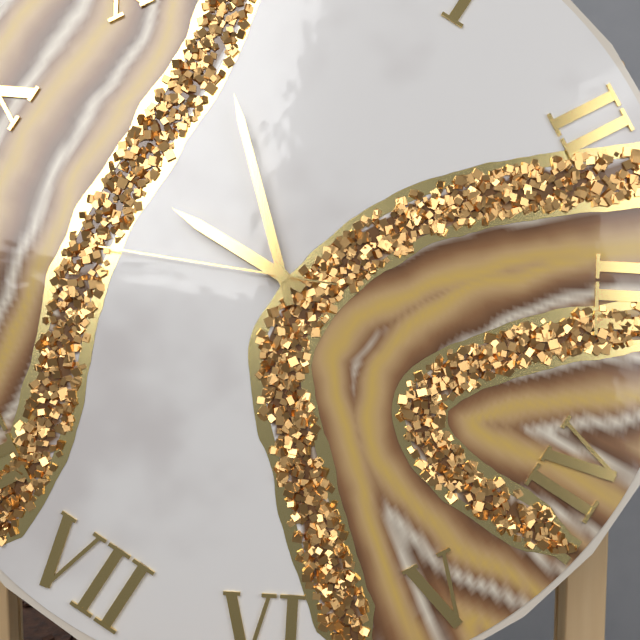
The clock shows 9h57m46s
